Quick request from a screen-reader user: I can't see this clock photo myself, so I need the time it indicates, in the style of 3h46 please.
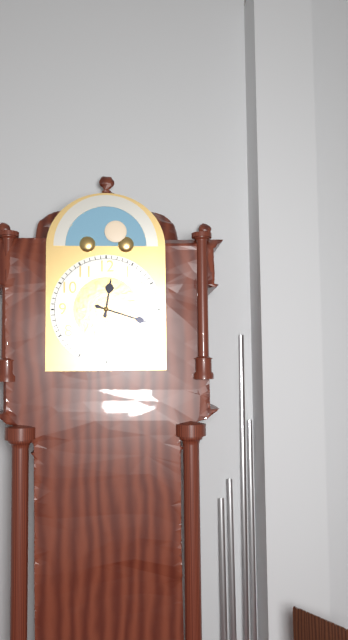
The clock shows 12h18
